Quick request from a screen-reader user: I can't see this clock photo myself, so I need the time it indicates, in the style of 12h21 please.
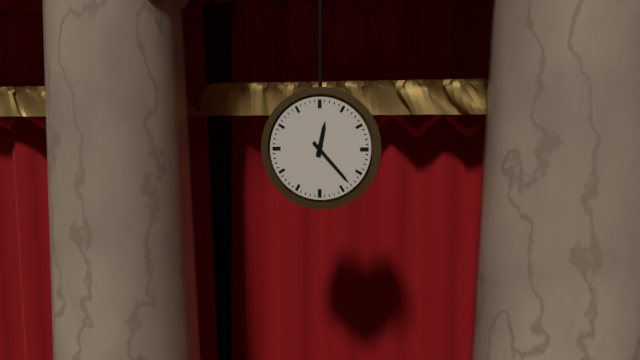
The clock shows 12h23
